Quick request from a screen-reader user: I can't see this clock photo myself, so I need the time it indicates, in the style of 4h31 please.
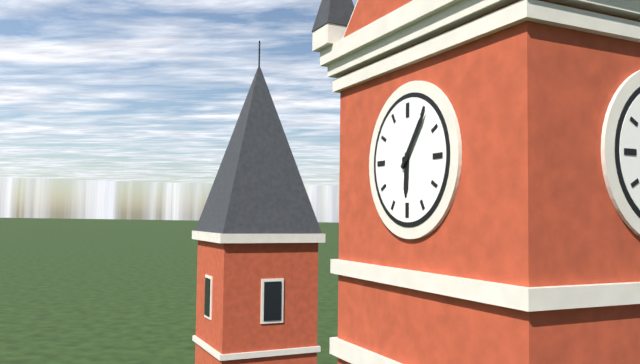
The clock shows 6h06
